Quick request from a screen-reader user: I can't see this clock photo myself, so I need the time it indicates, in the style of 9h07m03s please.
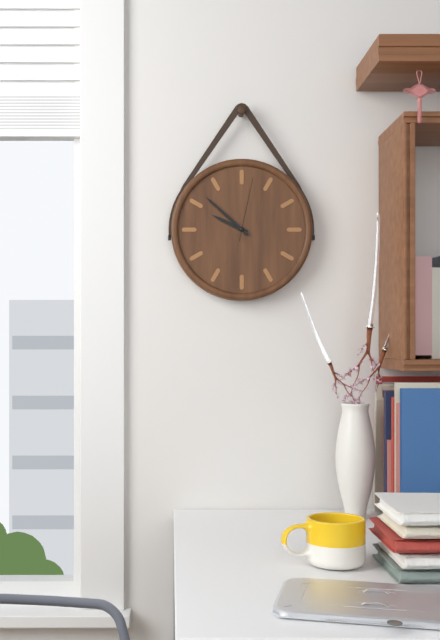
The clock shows 9h52m02s
